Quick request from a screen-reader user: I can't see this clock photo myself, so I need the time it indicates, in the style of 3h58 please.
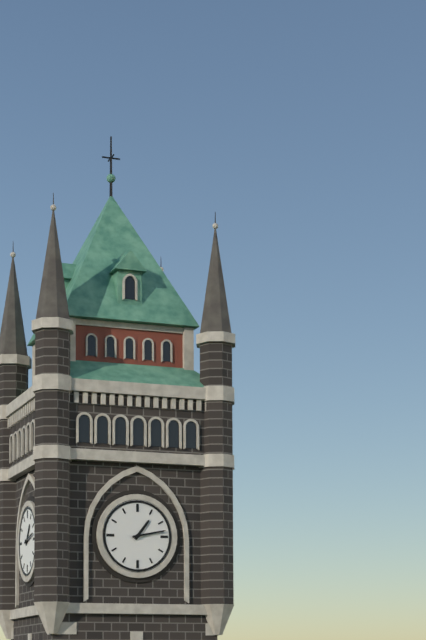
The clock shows 1h13
